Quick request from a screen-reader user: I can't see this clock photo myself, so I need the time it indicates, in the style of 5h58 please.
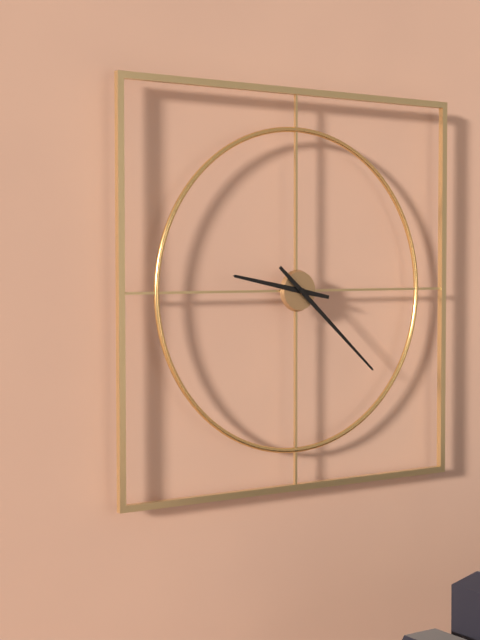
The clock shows 9h22
